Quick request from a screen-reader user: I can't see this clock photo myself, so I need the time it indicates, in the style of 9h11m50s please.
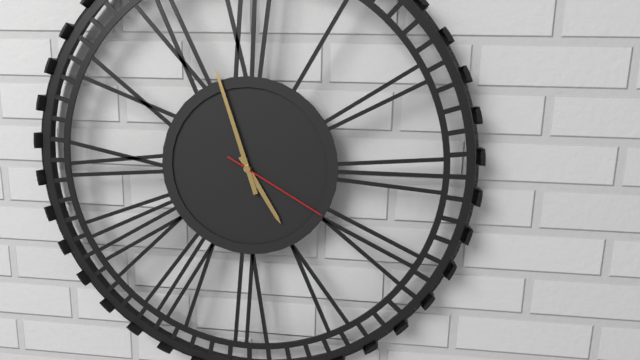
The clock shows 4h57m20s
